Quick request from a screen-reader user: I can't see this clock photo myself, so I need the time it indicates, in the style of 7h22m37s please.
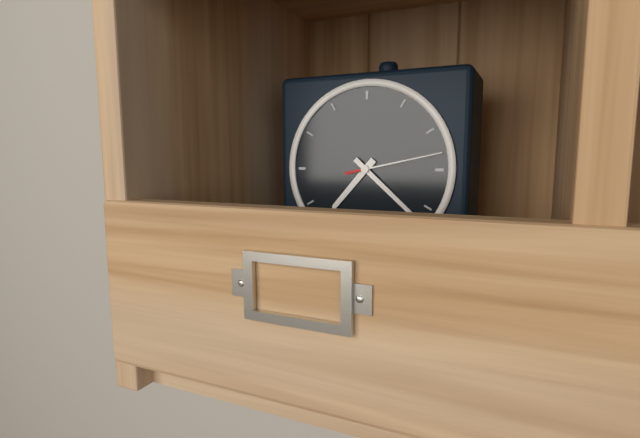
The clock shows 7h22m13s
